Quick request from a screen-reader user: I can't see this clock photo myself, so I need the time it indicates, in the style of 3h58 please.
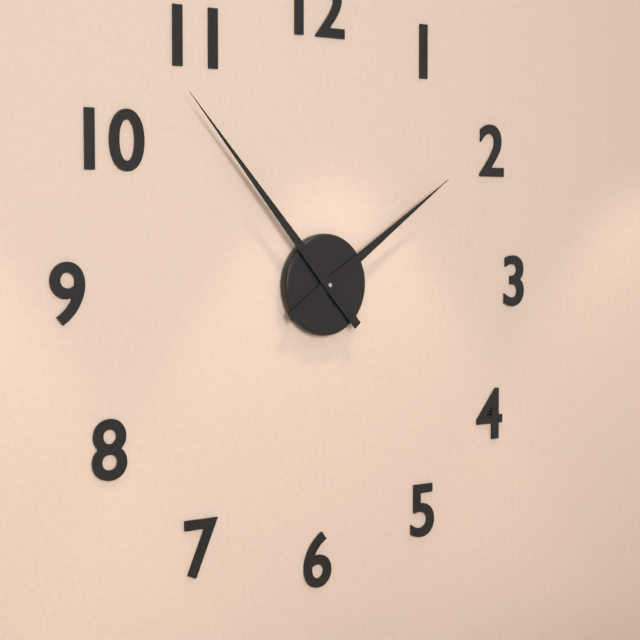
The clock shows 1h53
